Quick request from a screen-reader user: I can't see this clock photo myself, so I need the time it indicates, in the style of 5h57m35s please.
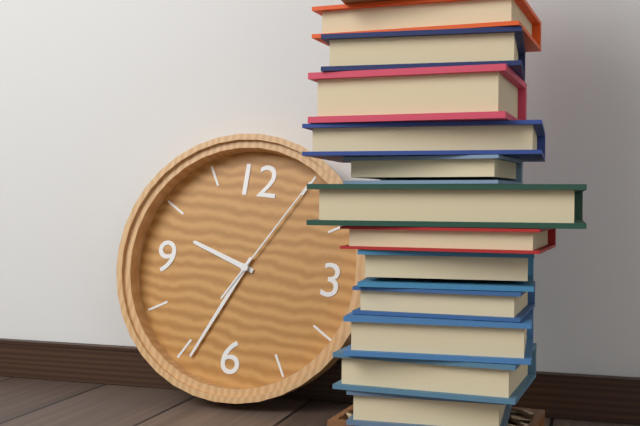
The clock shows 9h34m05s
